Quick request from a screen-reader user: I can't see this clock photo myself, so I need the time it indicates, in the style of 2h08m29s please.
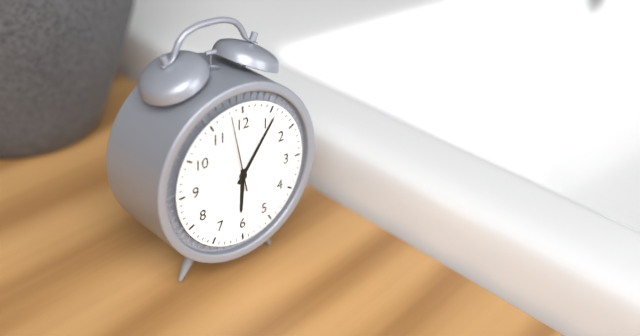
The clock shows 6h06m58s
